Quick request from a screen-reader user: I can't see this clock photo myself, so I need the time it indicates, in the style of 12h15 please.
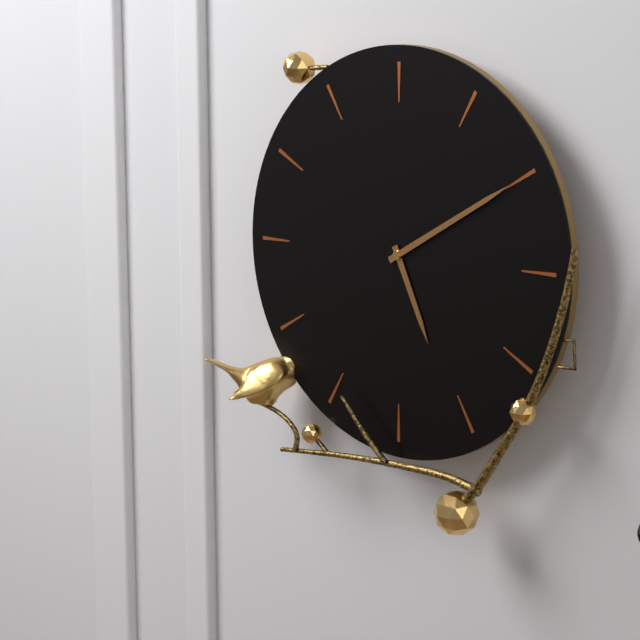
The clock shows 5h10
